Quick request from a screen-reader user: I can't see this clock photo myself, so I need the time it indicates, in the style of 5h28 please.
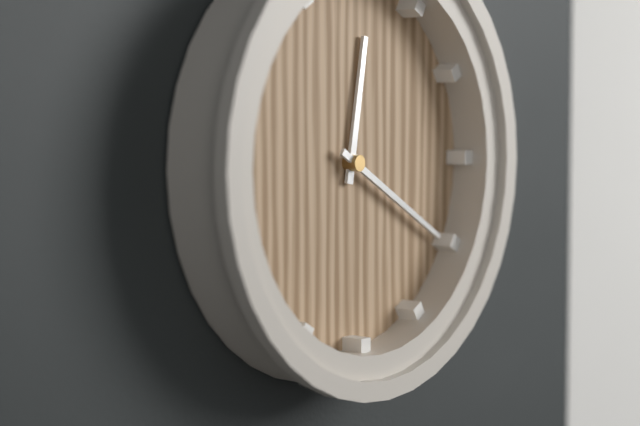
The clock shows 12h20
